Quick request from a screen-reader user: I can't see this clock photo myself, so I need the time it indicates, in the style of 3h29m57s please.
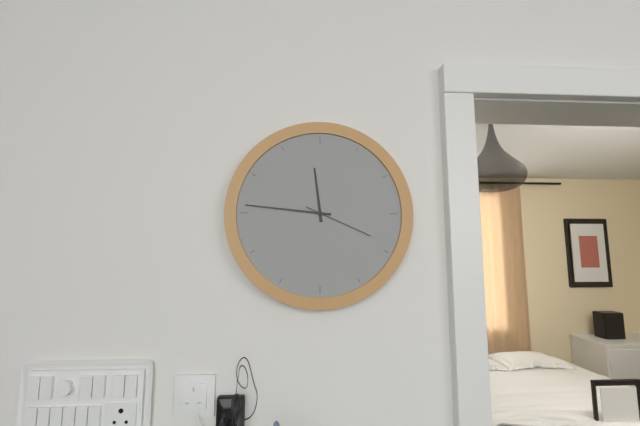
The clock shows 11h46m19s
